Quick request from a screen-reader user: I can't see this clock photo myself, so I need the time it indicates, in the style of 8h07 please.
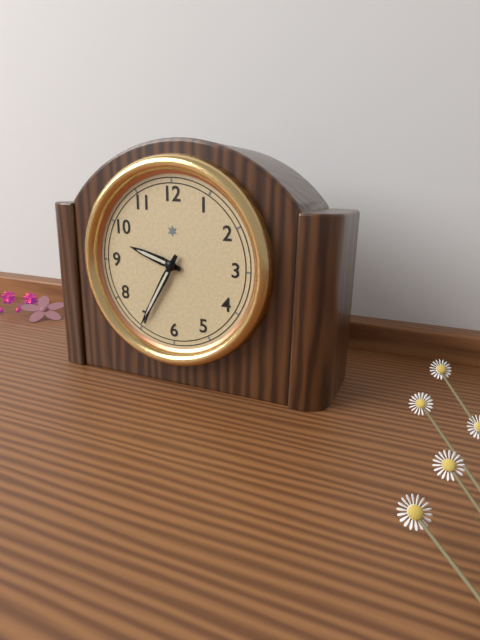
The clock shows 9h35
